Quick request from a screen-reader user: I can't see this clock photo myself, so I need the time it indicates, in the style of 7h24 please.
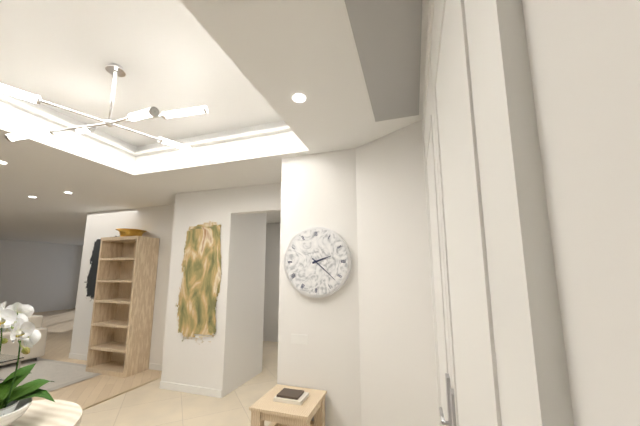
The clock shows 2h22
